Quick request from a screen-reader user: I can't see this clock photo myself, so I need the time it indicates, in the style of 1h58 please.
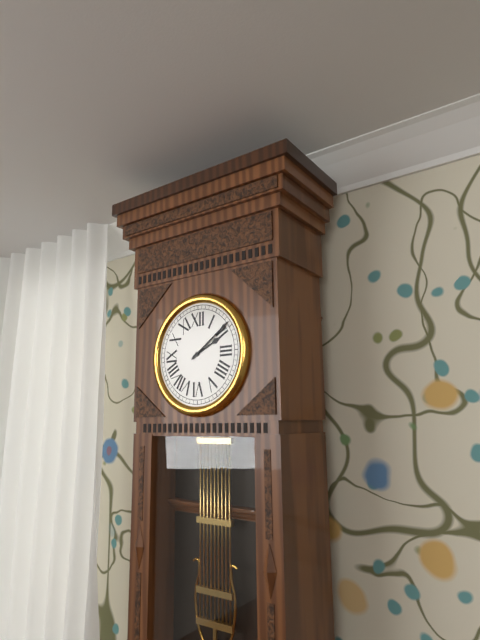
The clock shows 2h09
